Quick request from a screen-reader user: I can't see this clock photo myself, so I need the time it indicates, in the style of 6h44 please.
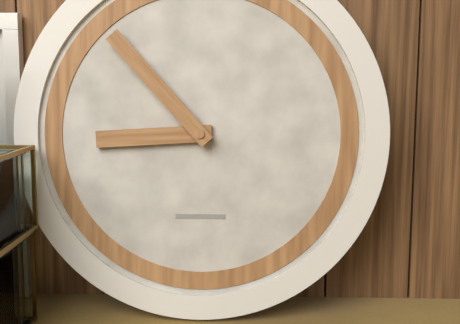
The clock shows 8h53
